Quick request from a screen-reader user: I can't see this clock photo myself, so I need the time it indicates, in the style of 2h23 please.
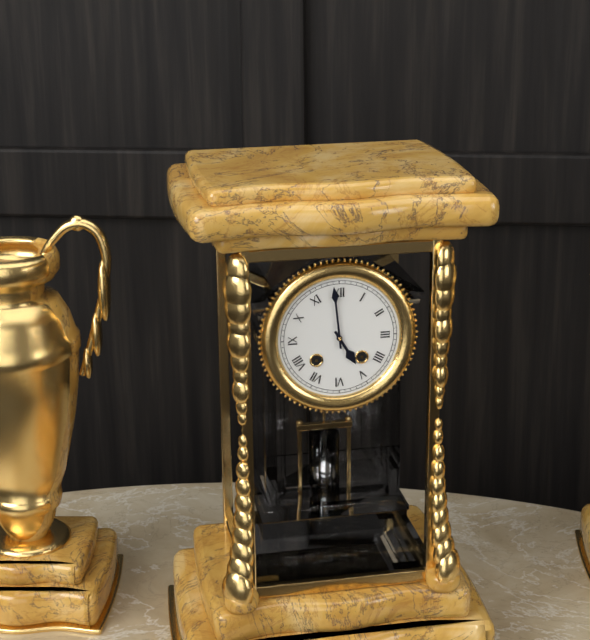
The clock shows 4h59
